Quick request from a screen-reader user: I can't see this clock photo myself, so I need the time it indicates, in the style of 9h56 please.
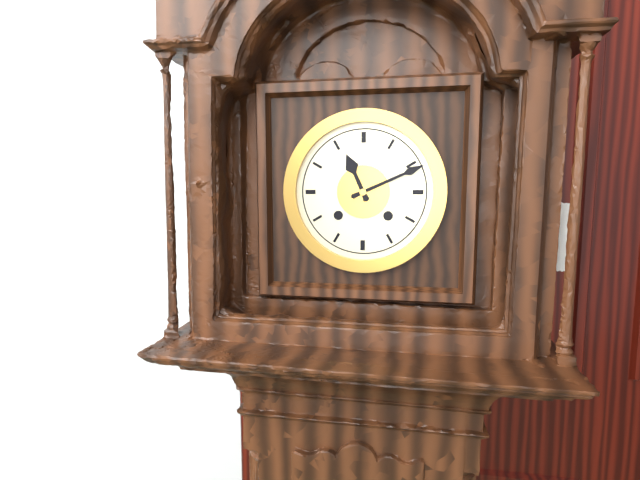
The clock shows 11h11
